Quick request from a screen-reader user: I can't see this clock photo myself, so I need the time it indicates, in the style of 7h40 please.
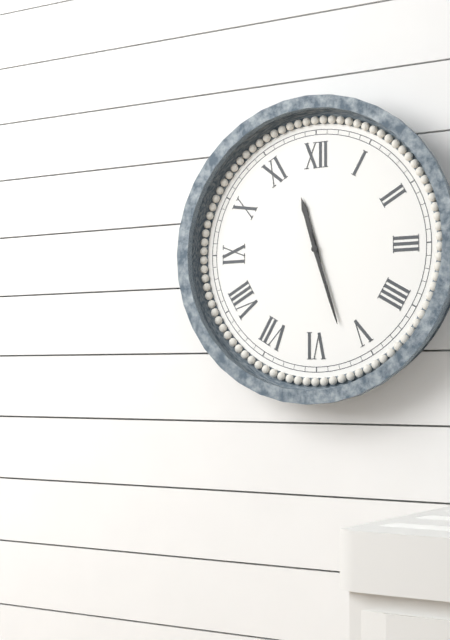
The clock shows 11h27
